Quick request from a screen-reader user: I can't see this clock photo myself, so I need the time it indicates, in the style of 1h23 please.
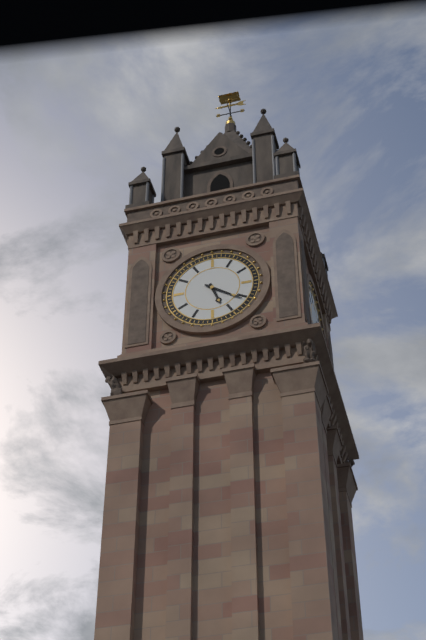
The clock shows 5h21
